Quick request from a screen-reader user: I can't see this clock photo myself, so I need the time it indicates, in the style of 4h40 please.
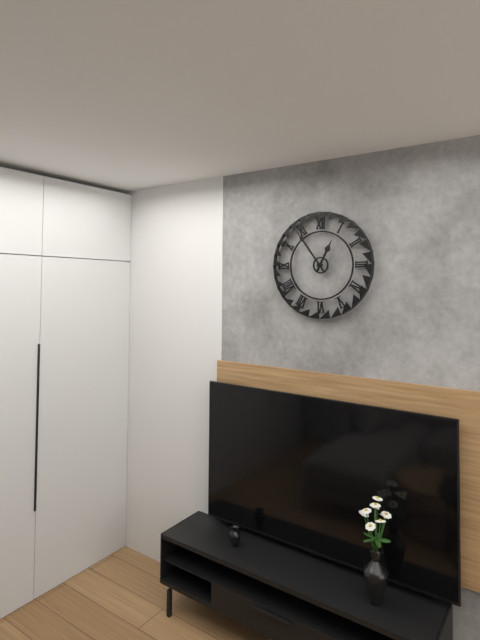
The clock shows 12h54
